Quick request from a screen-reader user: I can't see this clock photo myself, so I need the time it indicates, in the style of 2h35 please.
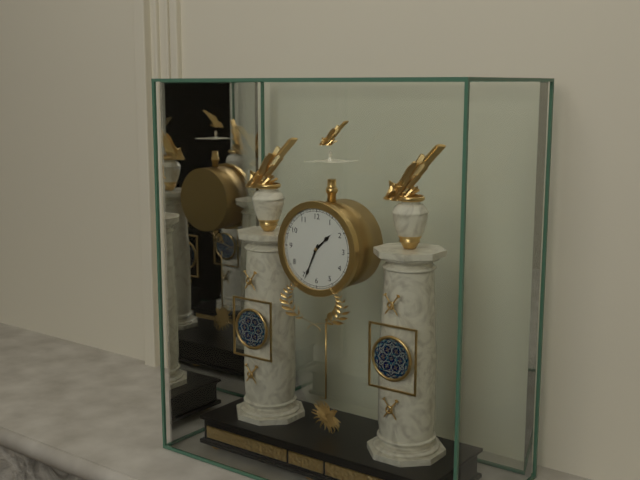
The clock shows 1h34
